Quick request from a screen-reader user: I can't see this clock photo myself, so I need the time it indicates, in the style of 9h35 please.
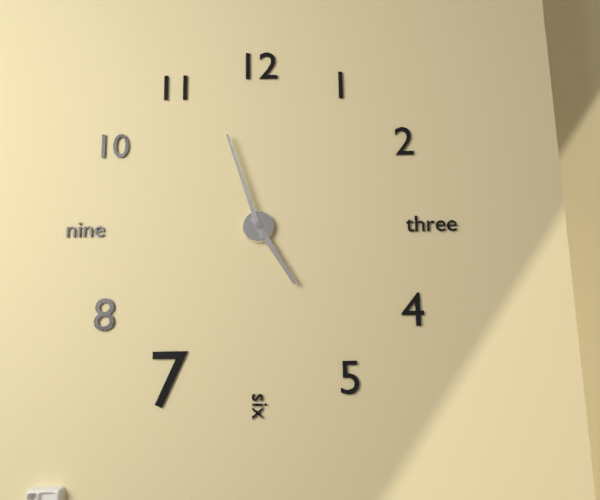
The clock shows 4h57
